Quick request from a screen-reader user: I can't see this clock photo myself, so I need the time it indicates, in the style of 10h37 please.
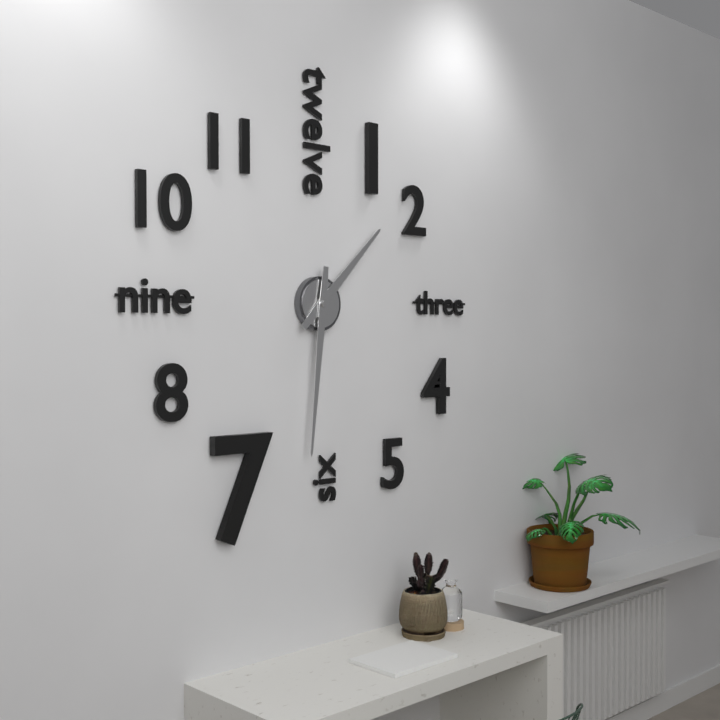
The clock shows 1h31
